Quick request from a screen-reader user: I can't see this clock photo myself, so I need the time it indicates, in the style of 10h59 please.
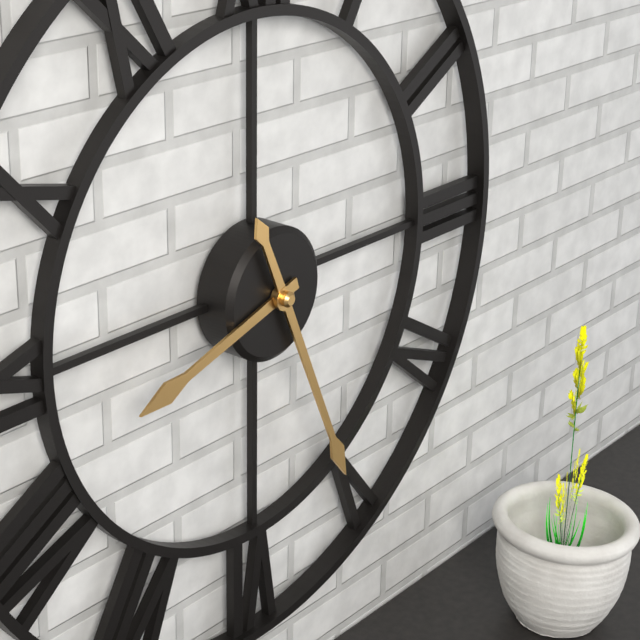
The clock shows 8h26
